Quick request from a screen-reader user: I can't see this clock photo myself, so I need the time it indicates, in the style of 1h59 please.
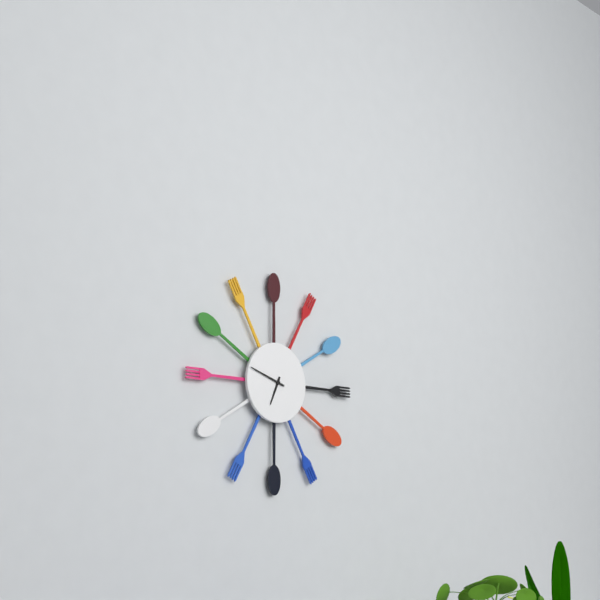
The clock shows 6h48
